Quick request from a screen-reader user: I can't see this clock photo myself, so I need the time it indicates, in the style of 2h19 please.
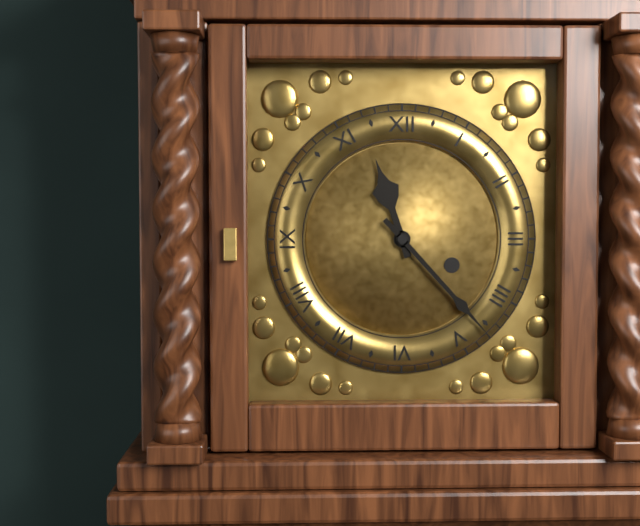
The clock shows 11h23
